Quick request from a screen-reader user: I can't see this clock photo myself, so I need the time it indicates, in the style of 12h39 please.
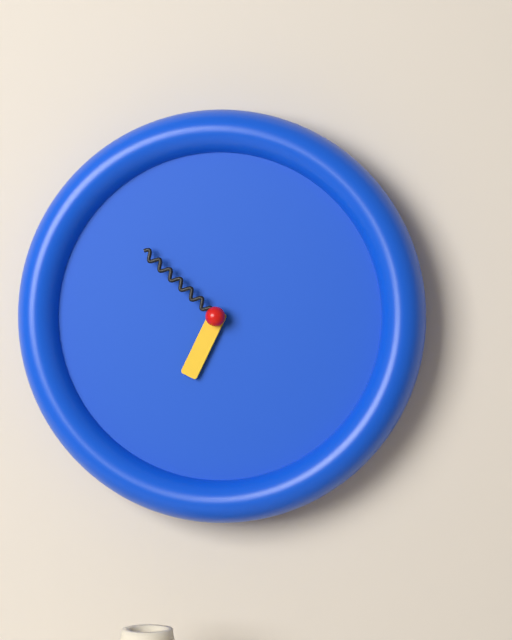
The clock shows 6h52
